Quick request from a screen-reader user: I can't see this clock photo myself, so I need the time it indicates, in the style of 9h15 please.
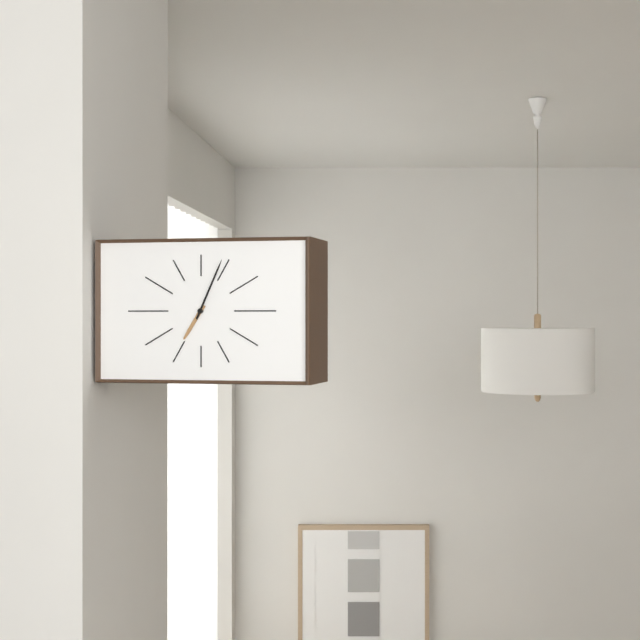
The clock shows 7h04
